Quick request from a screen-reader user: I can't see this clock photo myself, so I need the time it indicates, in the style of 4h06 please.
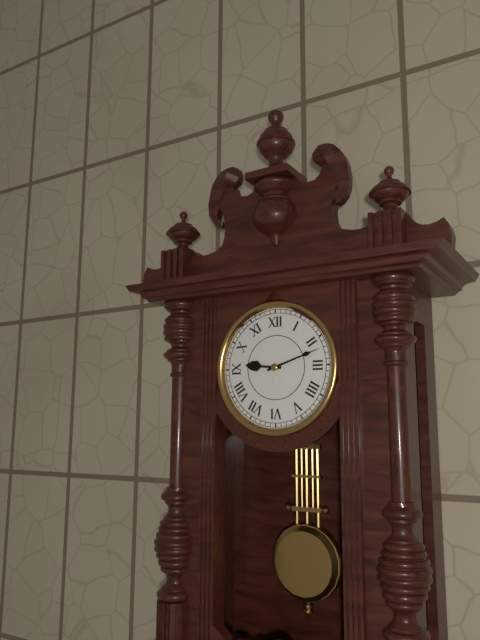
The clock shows 9h12
